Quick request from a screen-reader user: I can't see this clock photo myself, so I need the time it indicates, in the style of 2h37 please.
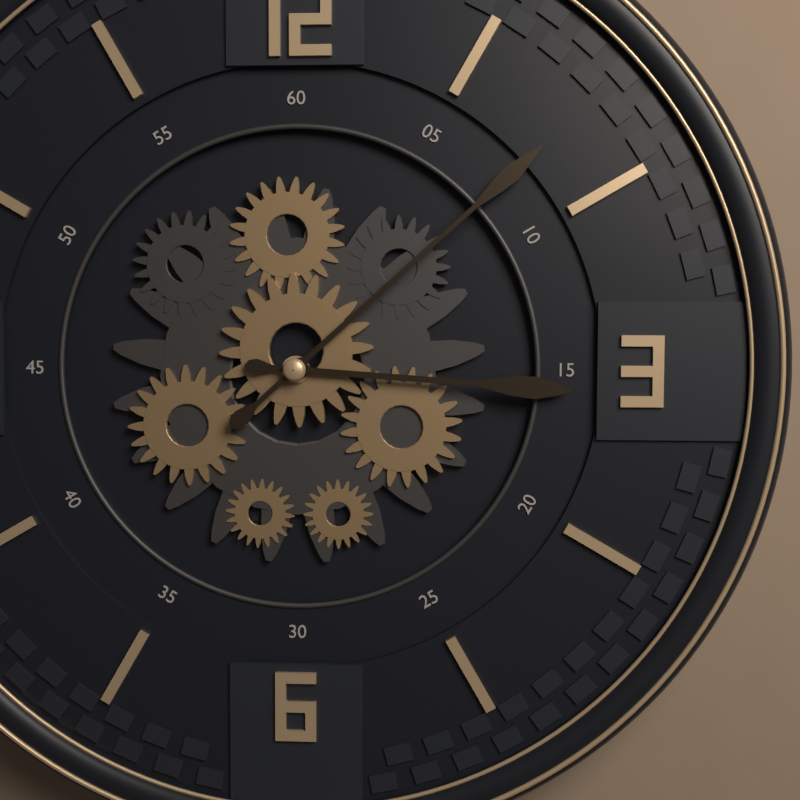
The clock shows 3h08
